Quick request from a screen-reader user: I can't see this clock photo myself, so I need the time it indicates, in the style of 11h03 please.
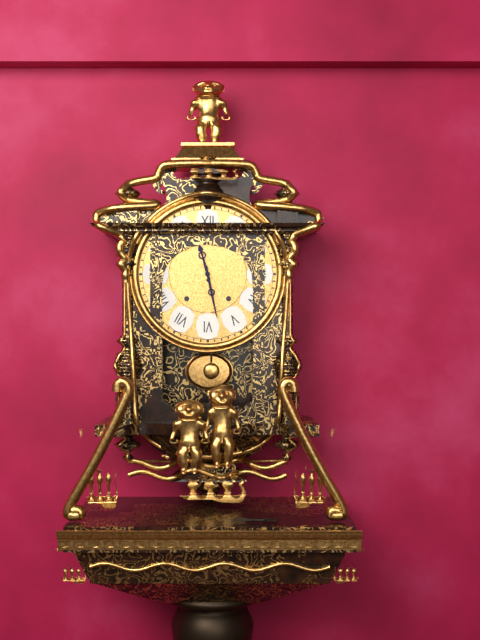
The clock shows 11h28
